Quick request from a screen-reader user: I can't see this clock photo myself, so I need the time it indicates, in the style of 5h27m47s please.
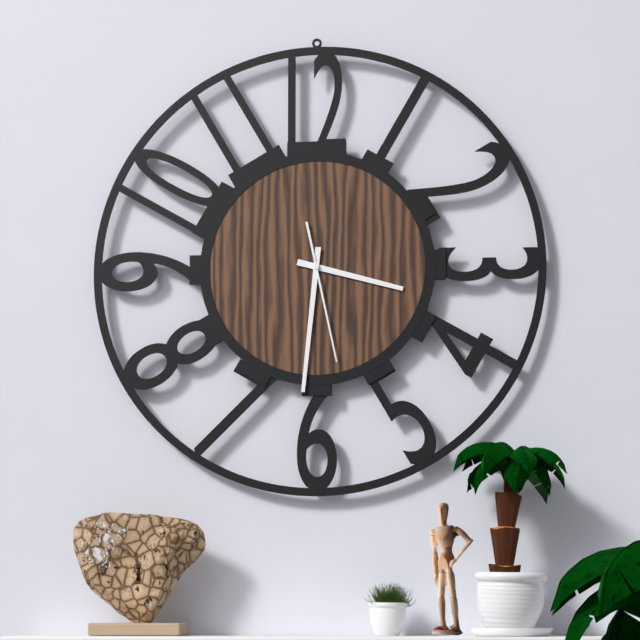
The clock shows 3h31m28s
